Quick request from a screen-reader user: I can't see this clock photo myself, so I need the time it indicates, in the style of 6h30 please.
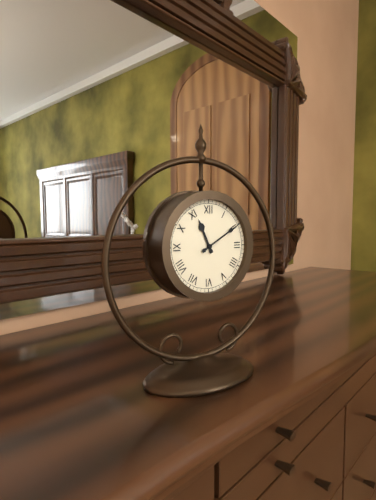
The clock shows 11h10
